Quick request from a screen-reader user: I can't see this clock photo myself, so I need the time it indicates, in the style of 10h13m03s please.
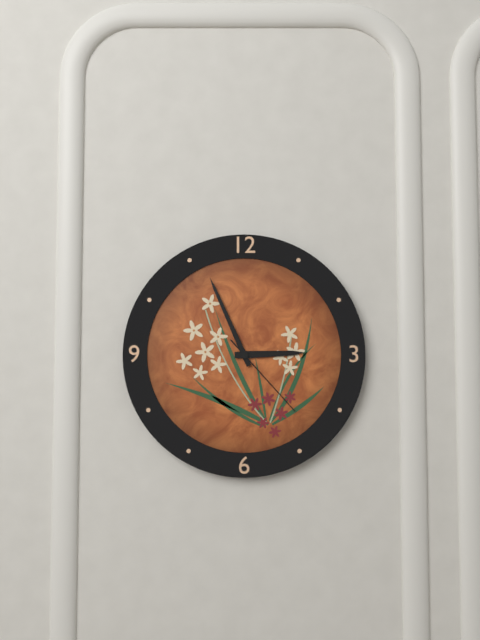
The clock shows 2h56m23s
